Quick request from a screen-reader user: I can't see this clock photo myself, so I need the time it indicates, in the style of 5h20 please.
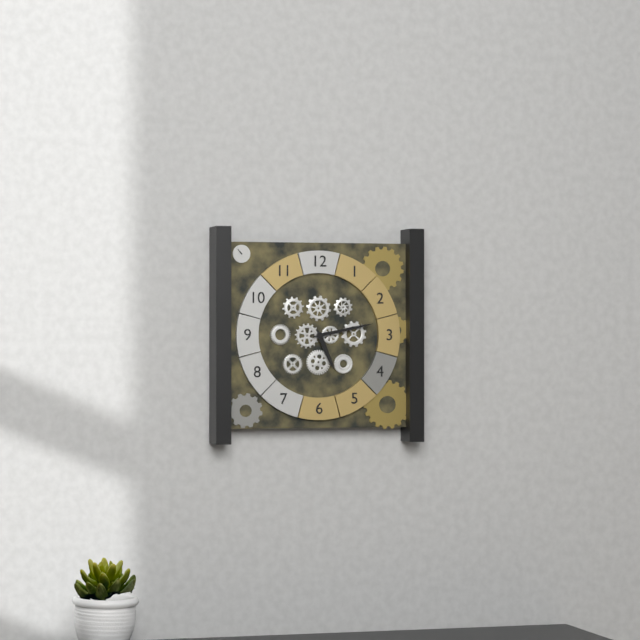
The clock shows 5h13
